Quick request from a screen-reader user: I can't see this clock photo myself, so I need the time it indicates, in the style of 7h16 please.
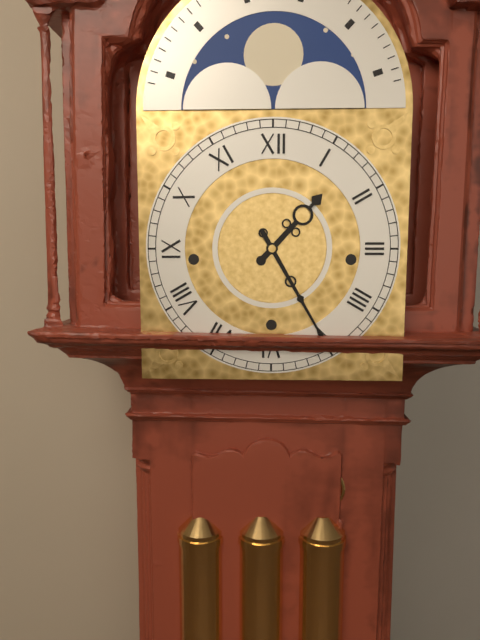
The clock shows 1h25
